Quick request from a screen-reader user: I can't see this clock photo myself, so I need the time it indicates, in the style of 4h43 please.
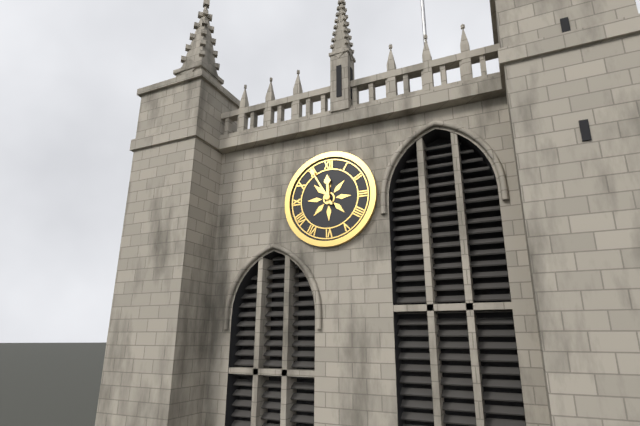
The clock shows 11h55
